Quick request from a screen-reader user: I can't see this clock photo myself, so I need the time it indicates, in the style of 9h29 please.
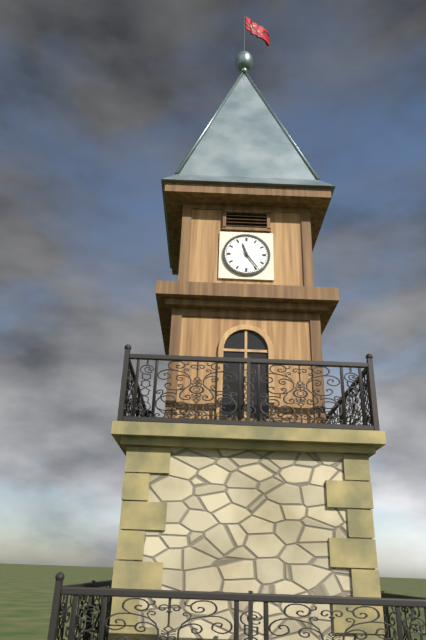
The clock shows 11h24
